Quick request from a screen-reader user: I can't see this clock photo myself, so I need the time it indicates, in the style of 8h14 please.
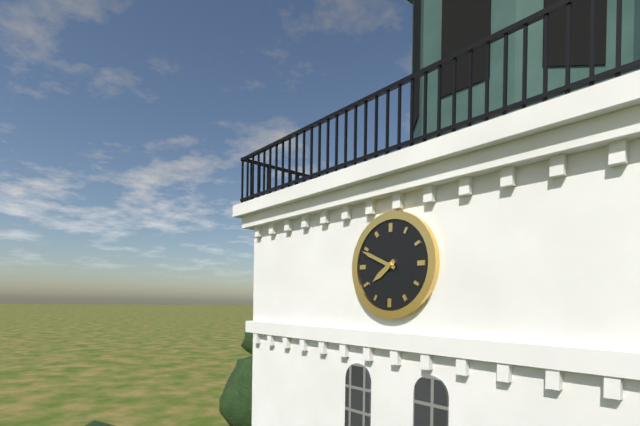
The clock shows 7h49
